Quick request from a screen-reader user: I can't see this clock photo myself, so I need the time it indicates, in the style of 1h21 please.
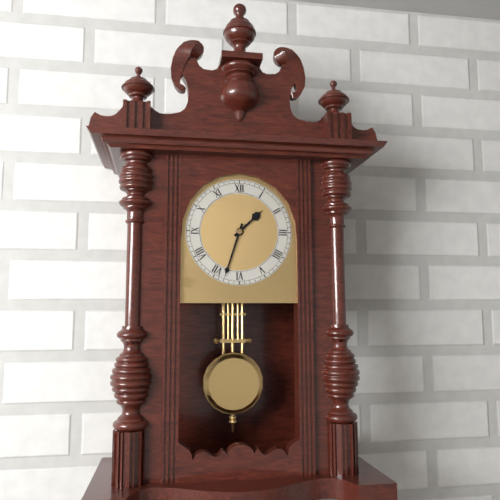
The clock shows 1h33
